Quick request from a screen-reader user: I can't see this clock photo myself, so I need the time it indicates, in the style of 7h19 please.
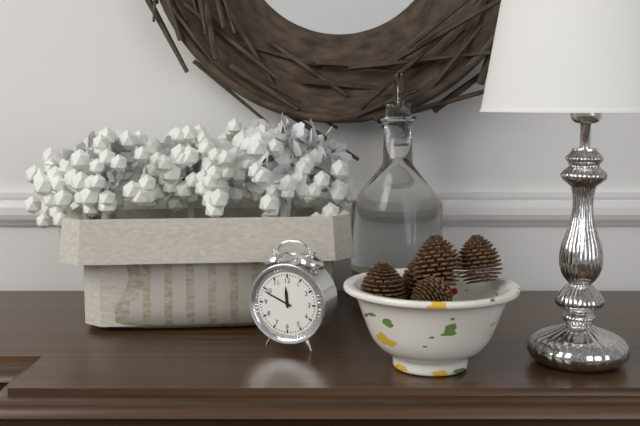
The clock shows 11h49
